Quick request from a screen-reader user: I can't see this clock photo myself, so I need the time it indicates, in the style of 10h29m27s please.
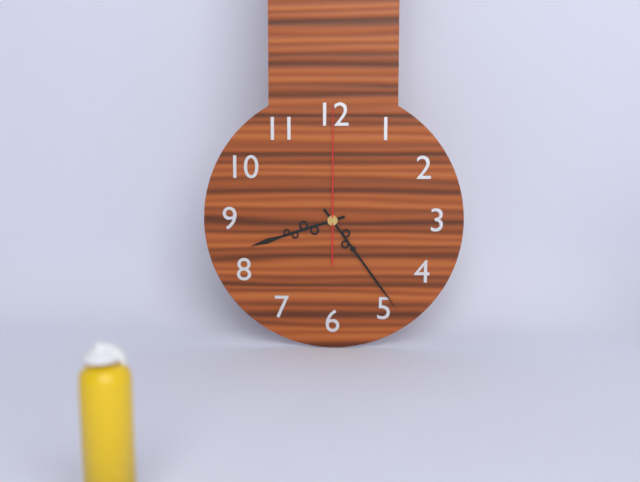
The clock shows 8h24m00s
